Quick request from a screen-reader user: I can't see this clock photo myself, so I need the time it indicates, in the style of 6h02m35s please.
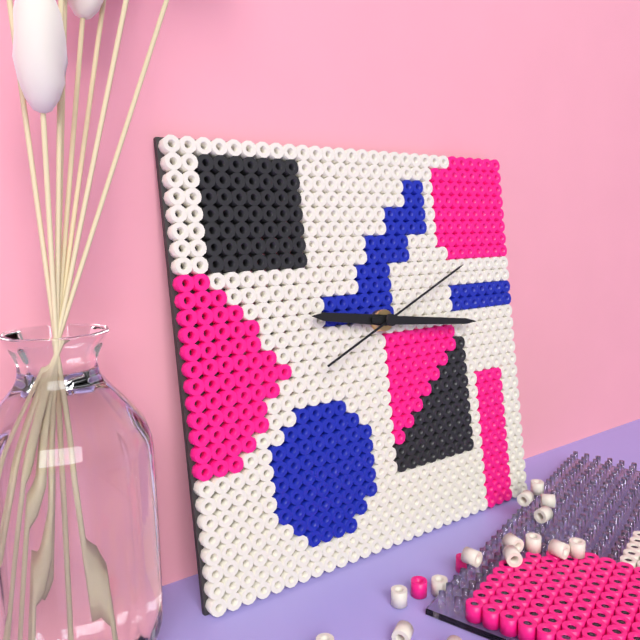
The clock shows 9h16m11s
